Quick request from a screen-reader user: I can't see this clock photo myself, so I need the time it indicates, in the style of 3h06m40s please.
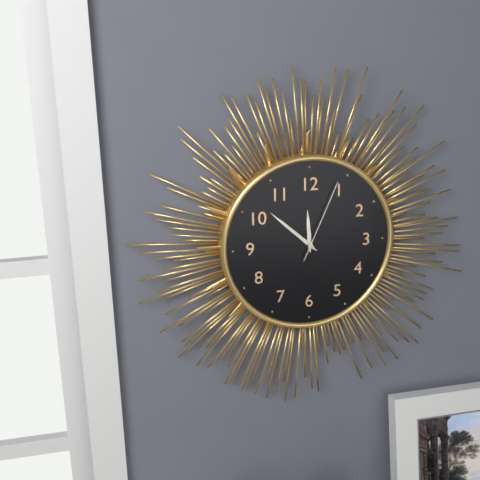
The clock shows 11h52m04s
